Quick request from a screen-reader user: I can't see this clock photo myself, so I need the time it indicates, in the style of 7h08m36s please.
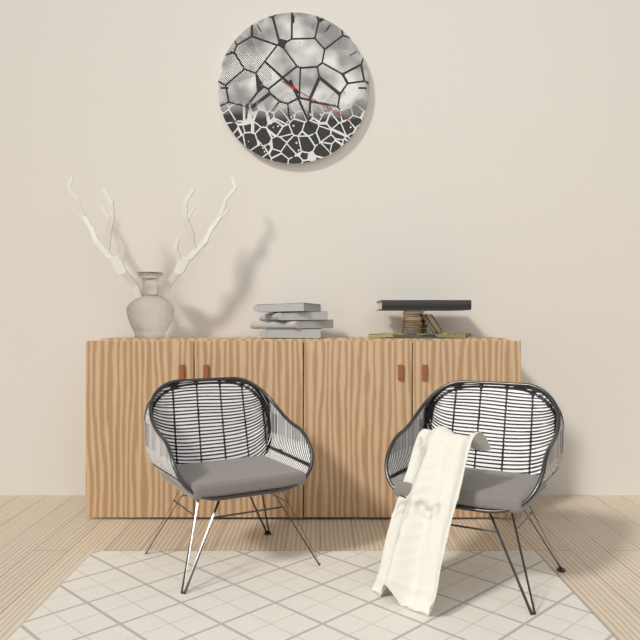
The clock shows 10h26m20s
